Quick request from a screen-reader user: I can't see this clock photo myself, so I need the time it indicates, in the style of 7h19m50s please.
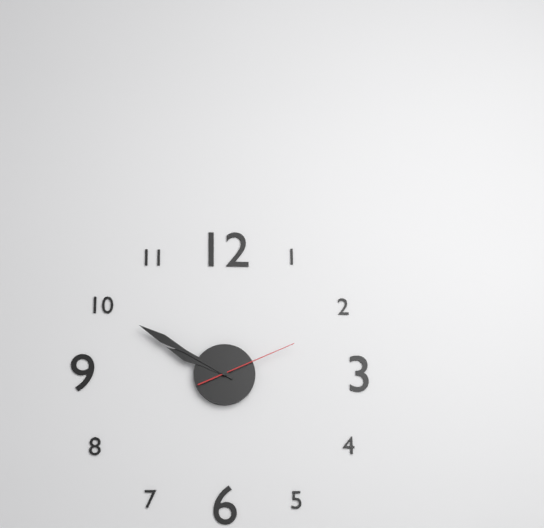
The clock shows 9h50m11s
